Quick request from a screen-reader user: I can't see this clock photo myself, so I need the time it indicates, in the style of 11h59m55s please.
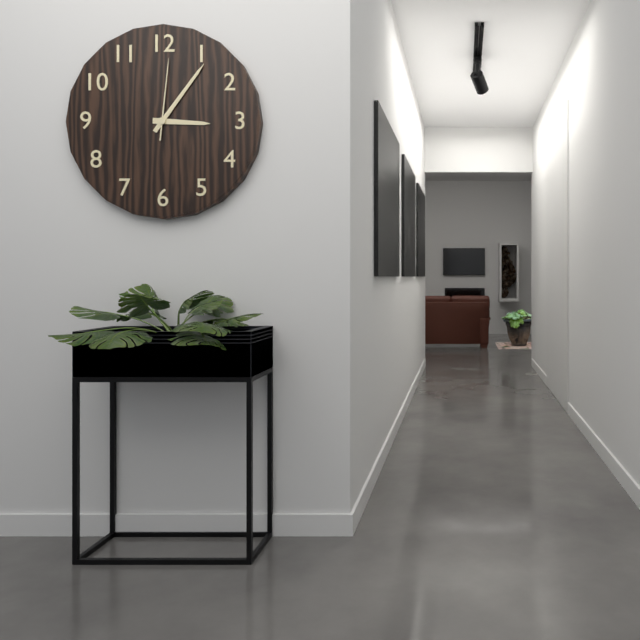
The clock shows 3h06m01s
